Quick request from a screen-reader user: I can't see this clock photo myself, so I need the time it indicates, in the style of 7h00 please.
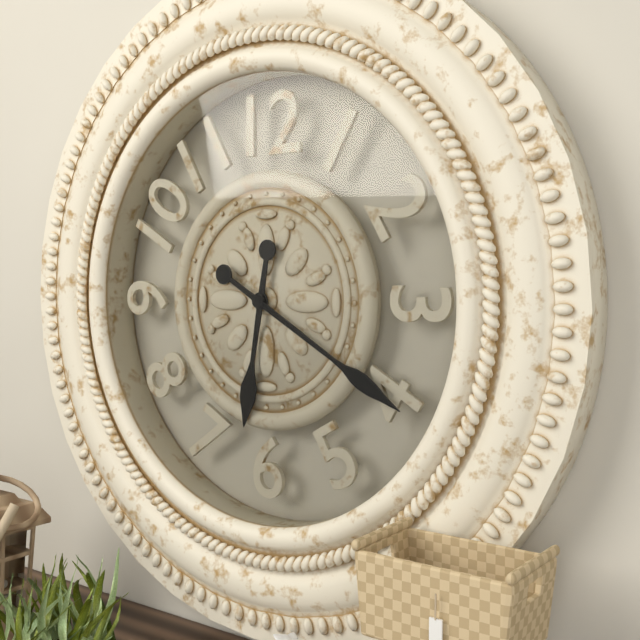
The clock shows 6h20
